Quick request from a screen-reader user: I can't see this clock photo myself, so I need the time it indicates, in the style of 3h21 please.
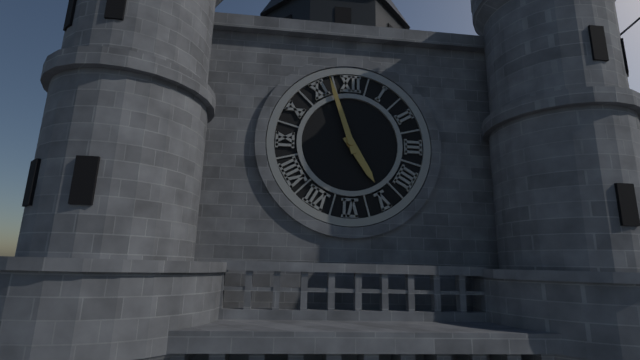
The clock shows 4h57
